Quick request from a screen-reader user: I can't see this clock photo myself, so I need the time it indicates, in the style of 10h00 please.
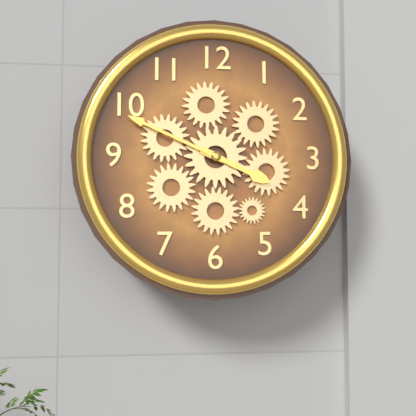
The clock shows 3h49
